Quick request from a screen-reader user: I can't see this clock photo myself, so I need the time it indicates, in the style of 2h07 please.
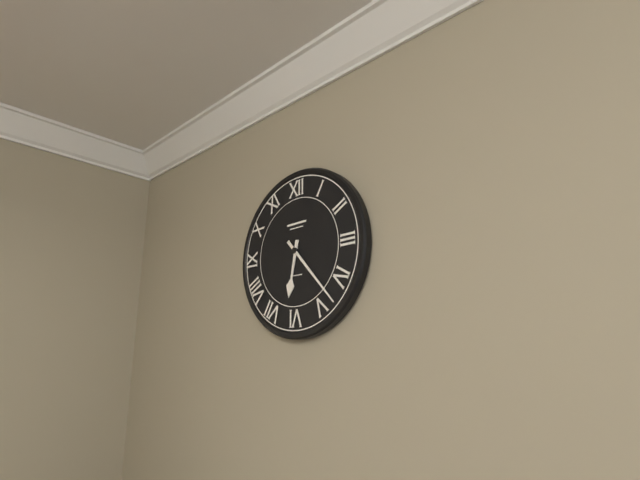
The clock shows 6h23
